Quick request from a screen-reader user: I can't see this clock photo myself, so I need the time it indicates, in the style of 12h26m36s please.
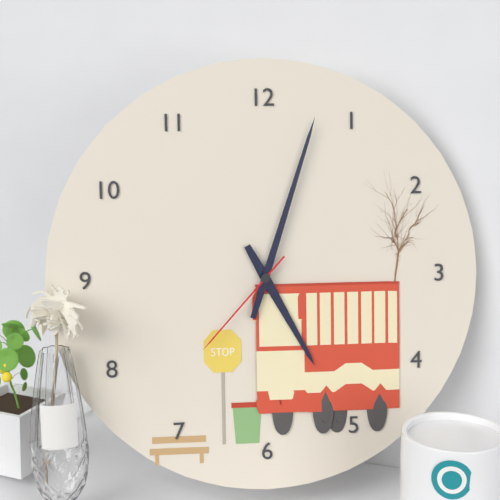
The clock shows 5h03m37s
